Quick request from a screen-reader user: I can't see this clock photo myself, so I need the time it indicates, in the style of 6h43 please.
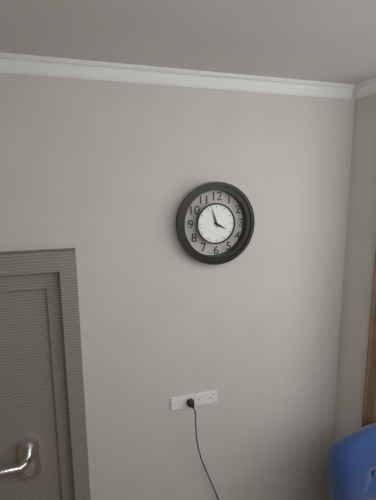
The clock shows 3h57
